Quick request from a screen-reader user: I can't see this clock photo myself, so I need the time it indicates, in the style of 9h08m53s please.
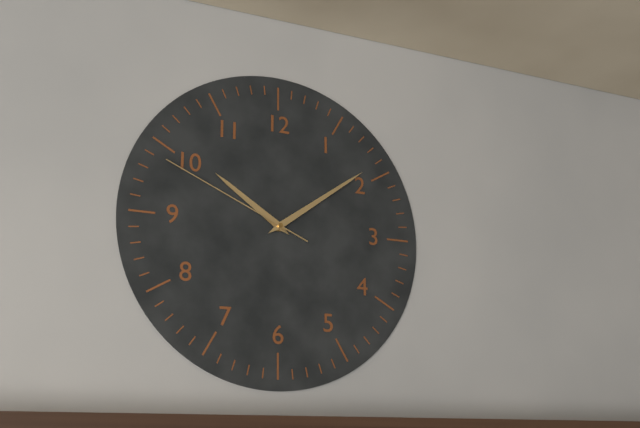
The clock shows 10h09m49s
